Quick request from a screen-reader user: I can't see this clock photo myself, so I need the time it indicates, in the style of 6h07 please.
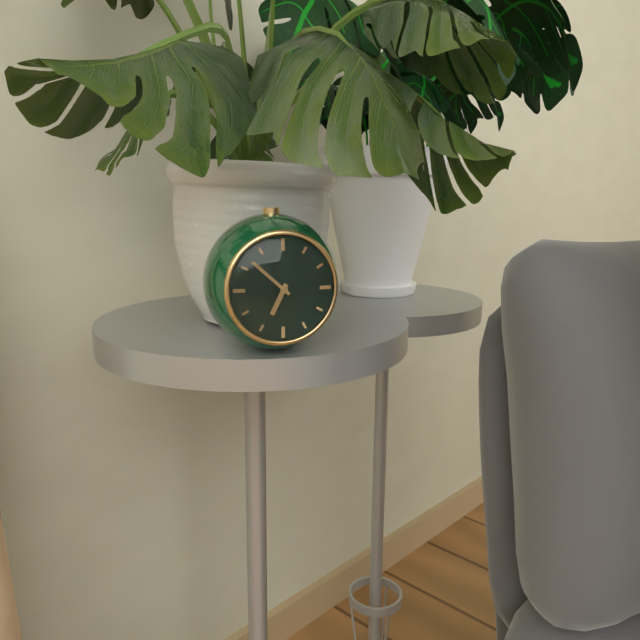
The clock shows 6h52
